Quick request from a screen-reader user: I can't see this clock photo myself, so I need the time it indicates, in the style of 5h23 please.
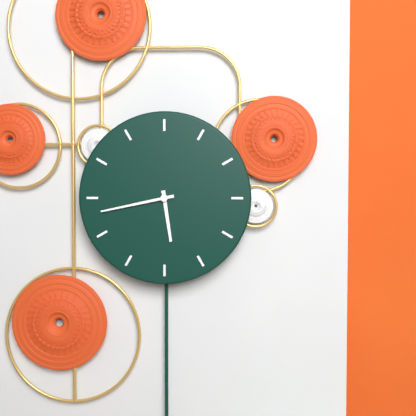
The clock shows 5h43
